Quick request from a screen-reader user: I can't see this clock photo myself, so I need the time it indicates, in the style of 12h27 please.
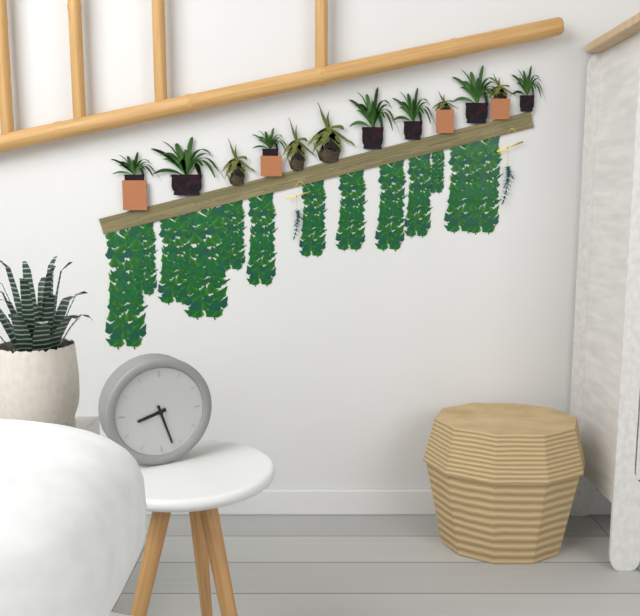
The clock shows 8h27
